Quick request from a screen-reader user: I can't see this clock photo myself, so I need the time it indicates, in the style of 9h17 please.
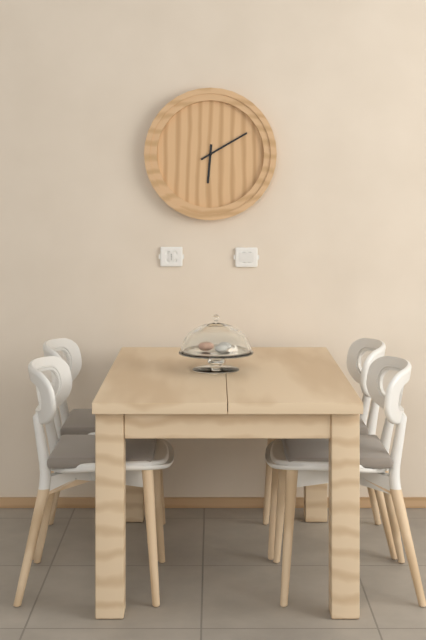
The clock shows 6h10
